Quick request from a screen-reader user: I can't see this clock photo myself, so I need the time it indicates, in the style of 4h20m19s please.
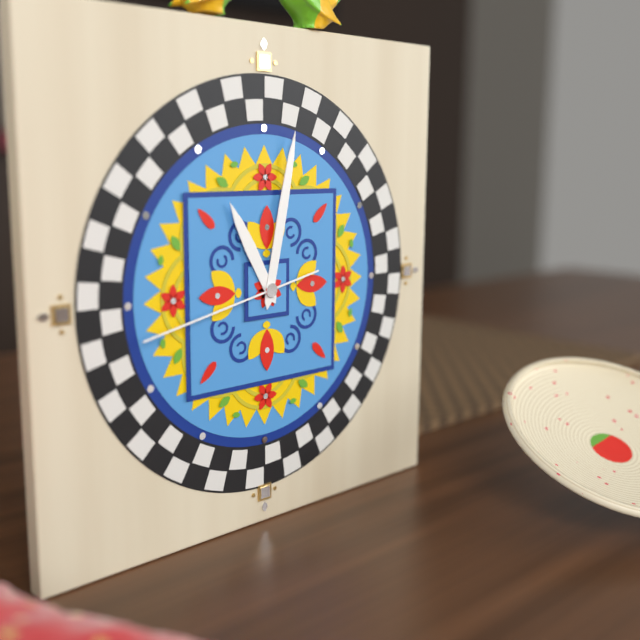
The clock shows 11h02m43s
